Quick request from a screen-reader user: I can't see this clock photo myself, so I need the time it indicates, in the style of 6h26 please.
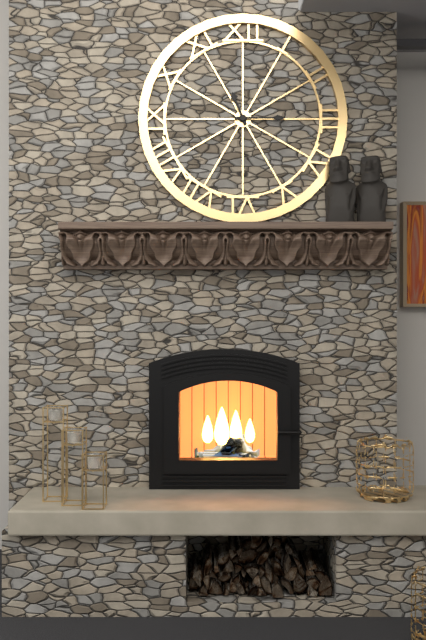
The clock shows 11h15
